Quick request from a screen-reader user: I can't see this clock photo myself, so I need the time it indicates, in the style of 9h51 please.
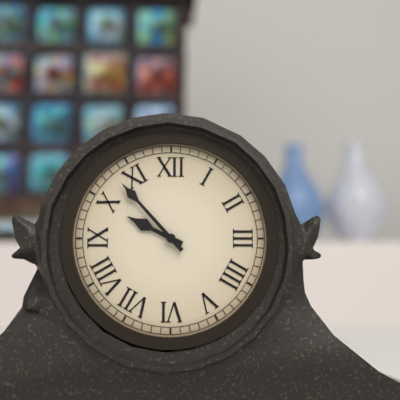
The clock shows 9h53
